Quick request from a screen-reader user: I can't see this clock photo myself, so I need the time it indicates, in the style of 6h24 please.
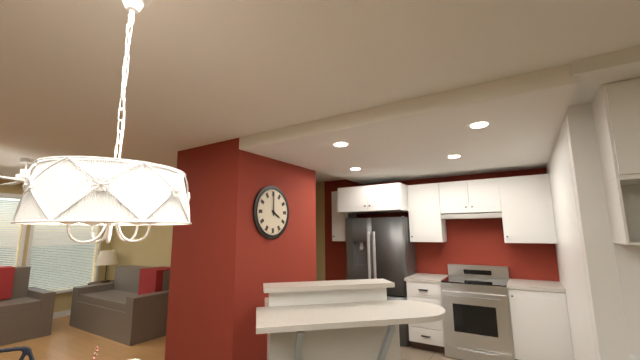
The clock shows 4h00
